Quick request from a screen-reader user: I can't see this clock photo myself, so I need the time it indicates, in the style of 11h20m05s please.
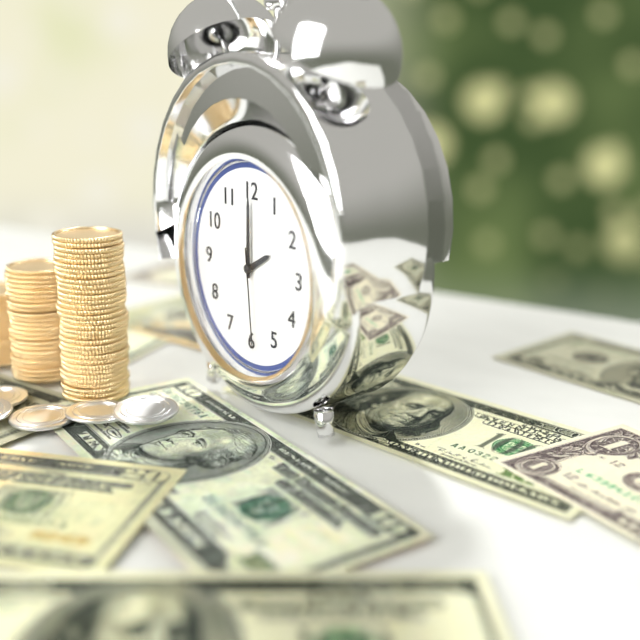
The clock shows 2h00m29s
